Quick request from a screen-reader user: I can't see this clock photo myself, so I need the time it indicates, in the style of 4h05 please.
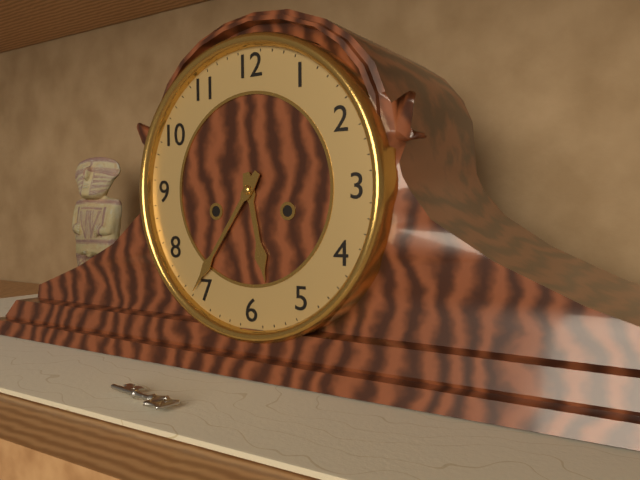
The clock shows 5h36
